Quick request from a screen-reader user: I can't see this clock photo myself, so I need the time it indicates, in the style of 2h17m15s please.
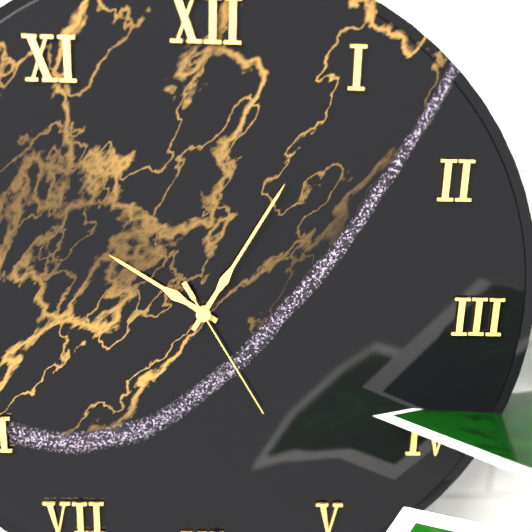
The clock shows 10h05m25s
